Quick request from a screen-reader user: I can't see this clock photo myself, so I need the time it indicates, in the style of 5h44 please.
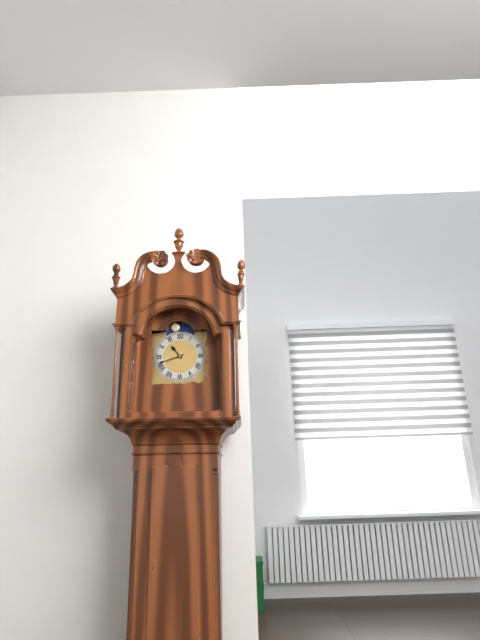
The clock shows 10h42
